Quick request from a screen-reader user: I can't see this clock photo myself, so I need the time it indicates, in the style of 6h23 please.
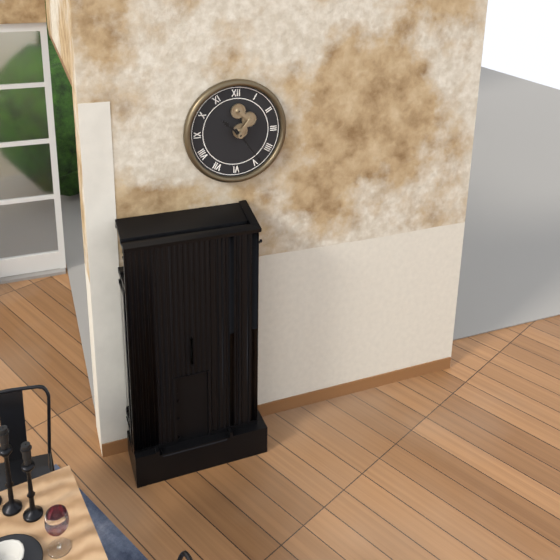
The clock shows 10h24
